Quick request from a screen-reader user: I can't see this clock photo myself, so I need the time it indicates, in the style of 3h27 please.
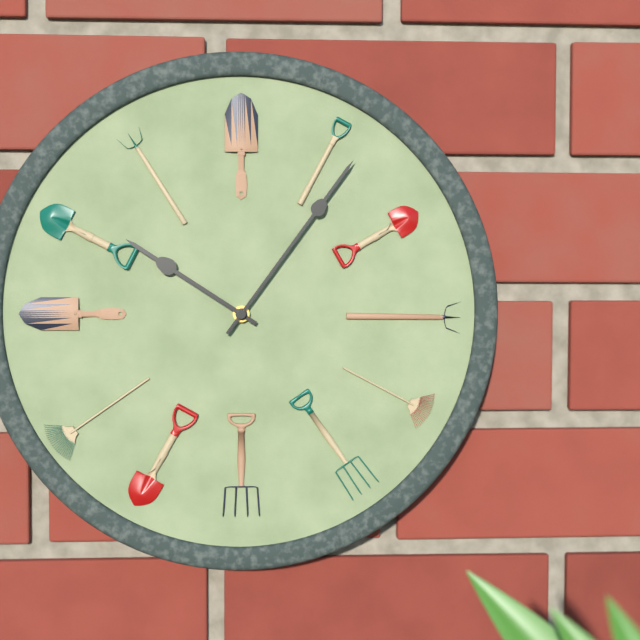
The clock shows 10h06
